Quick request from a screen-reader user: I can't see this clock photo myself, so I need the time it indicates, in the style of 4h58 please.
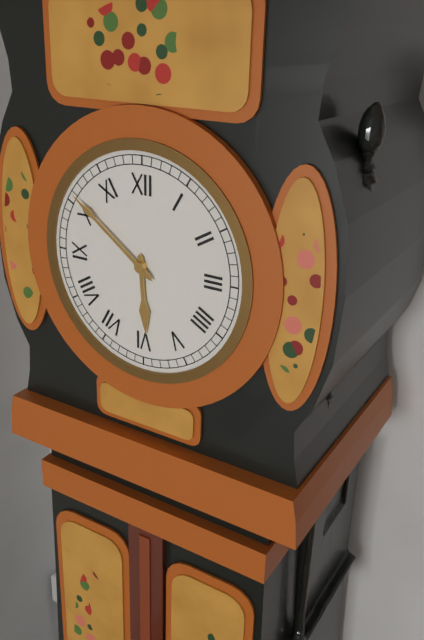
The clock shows 5h51
